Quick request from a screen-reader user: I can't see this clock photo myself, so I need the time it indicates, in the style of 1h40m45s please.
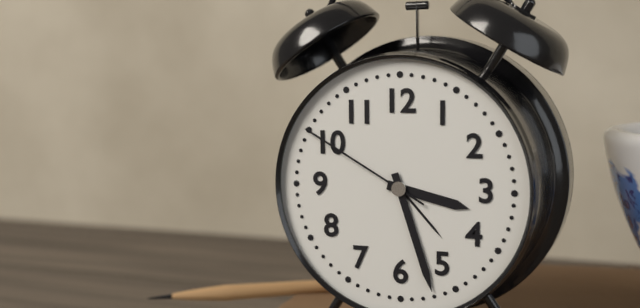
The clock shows 3h27m50s
